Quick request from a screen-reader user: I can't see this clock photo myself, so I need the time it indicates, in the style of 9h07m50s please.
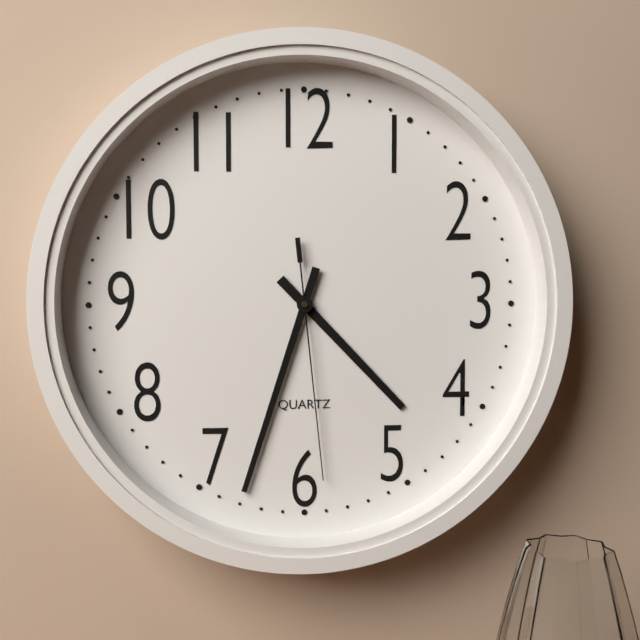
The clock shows 4h33m29s
